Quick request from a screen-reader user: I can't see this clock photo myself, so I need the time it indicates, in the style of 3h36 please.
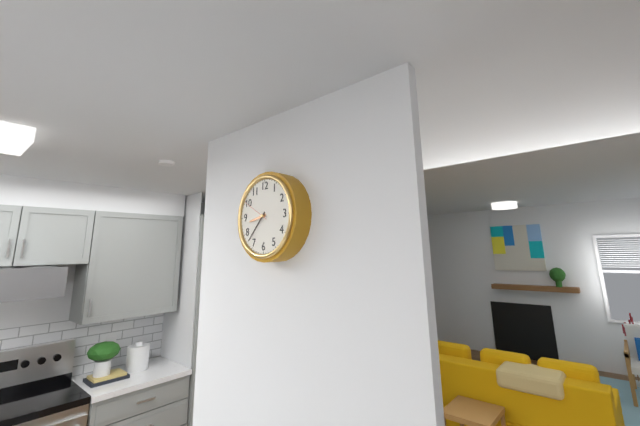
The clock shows 8h37
